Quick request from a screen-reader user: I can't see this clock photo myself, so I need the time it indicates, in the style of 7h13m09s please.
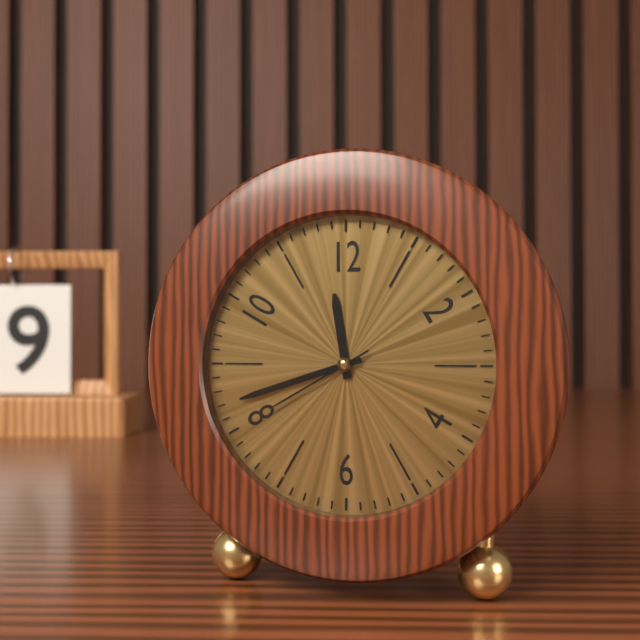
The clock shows 11h42m40s
